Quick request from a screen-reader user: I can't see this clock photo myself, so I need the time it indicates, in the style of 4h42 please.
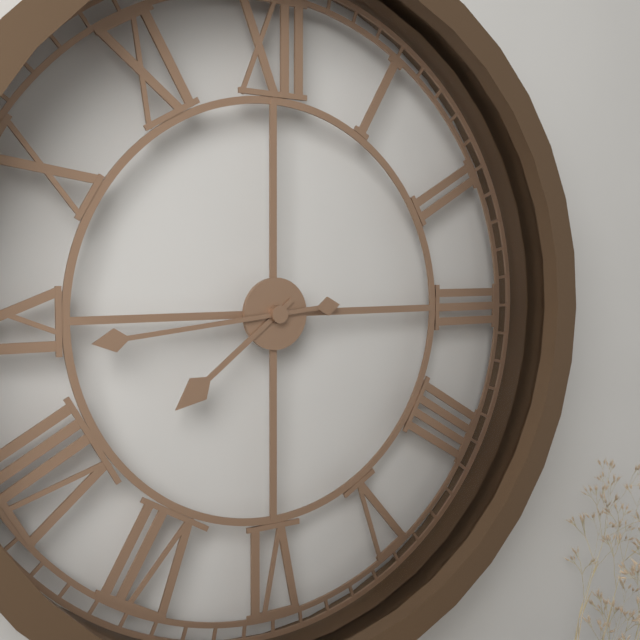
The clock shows 7h44
